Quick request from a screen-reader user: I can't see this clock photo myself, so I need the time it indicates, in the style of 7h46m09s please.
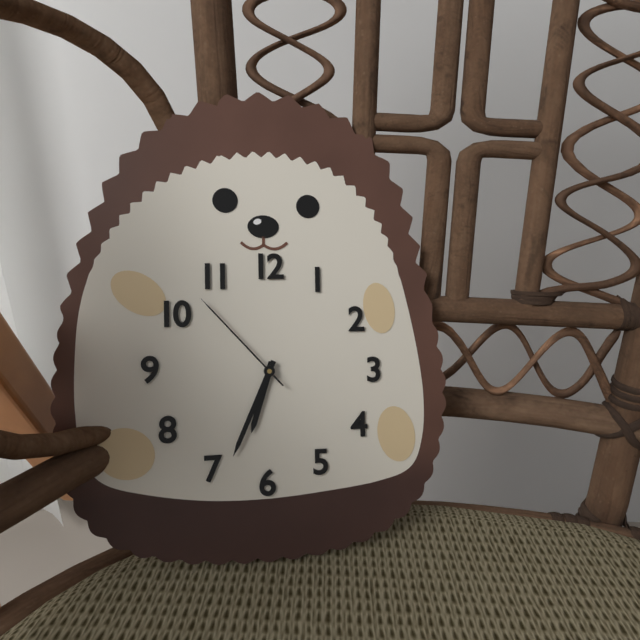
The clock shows 6h34m53s
